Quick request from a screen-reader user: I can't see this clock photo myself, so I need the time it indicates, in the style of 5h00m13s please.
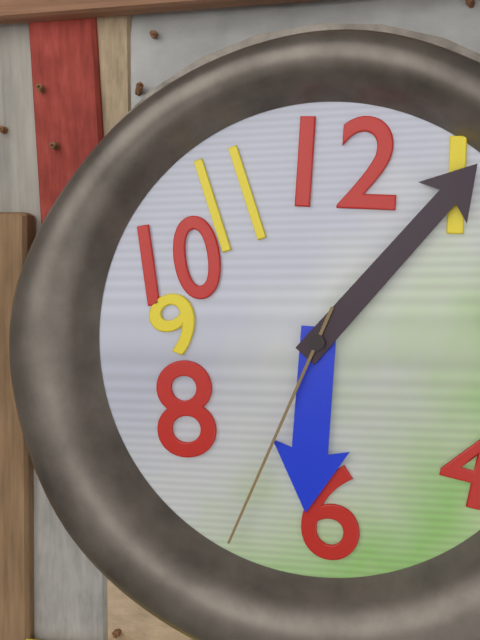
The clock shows 6h07m34s
